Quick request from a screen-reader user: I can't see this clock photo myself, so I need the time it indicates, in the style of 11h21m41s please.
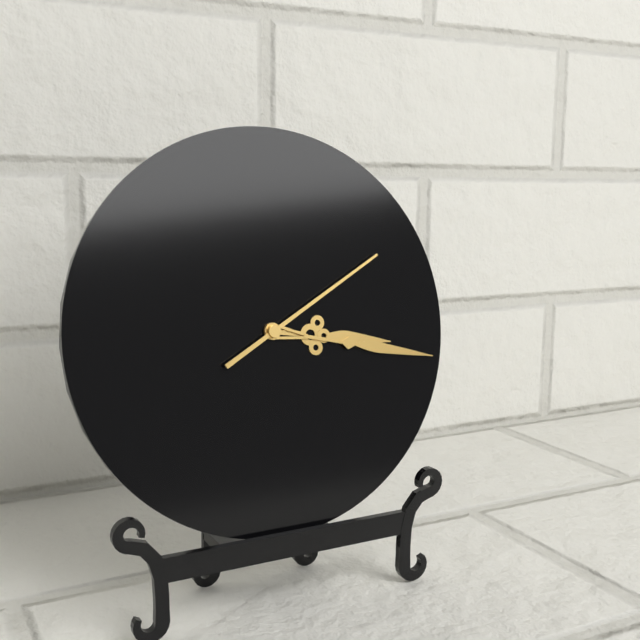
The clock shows 3h17m10s
